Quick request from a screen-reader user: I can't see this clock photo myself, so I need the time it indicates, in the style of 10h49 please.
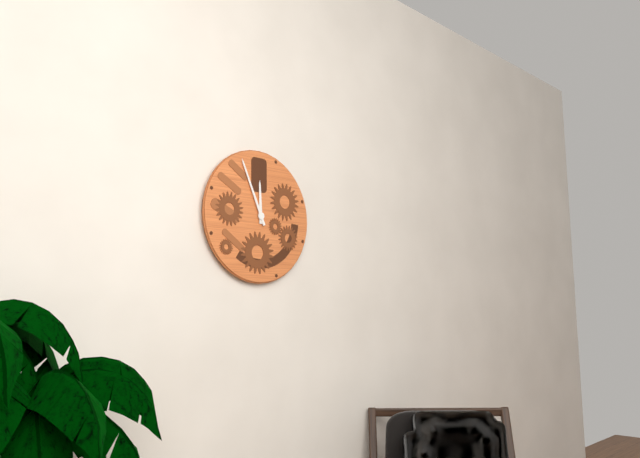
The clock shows 11h56
